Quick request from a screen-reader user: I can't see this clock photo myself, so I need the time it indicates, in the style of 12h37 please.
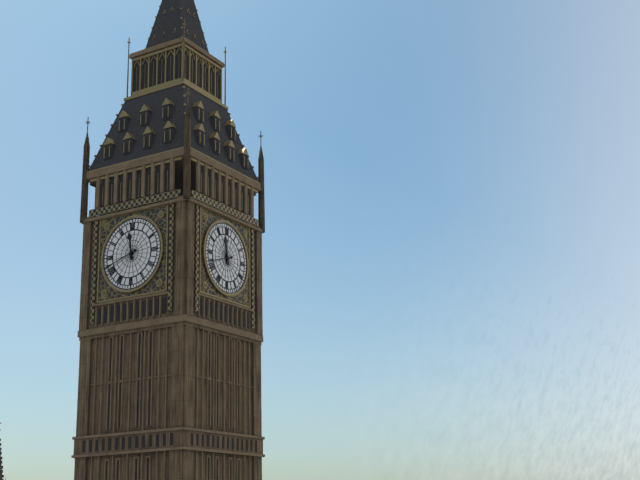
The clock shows 11h42
